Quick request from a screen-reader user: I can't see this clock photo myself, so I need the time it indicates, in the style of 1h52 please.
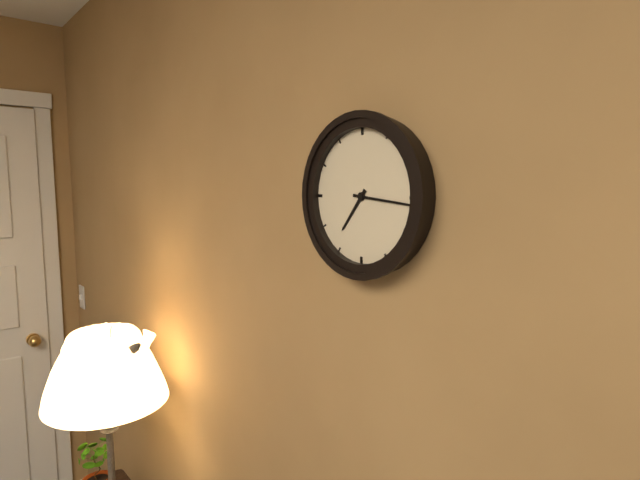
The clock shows 7h16
